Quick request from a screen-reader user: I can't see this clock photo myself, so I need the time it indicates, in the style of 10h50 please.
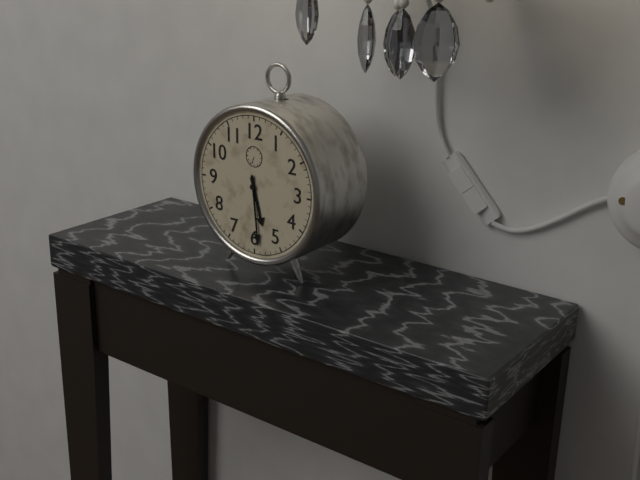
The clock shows 5h29
